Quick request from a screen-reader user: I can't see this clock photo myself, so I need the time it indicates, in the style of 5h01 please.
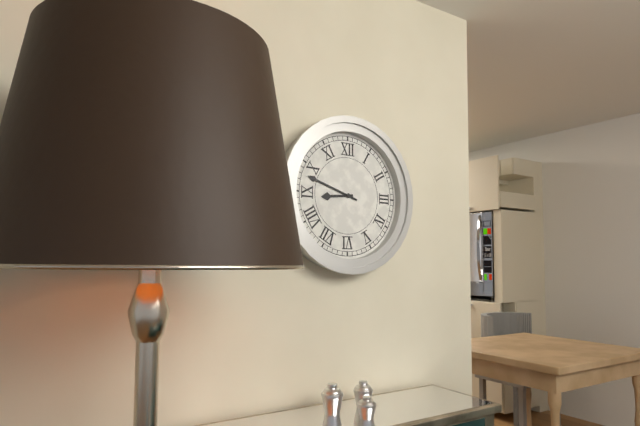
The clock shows 8h48
